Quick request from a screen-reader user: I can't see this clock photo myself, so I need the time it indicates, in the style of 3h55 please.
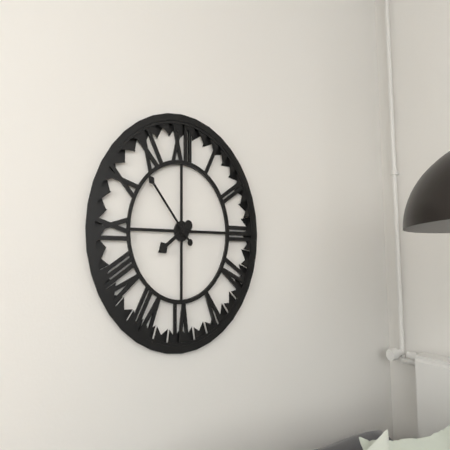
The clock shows 7h53
